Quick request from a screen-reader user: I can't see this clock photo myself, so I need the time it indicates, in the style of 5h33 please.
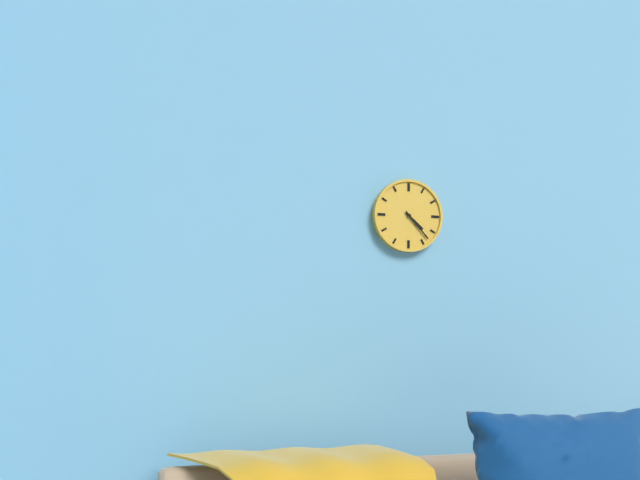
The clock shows 4h23
